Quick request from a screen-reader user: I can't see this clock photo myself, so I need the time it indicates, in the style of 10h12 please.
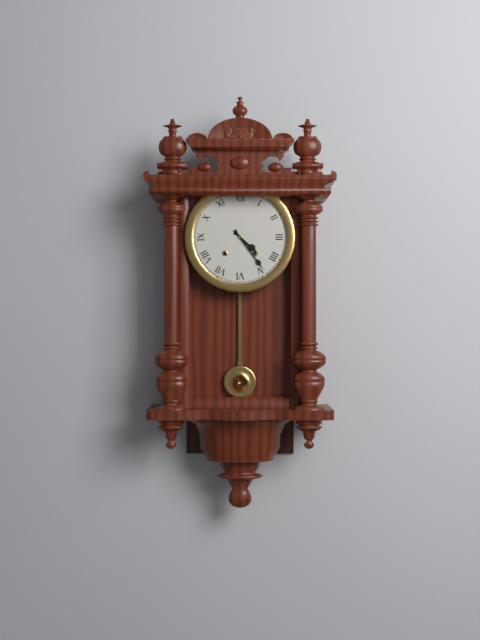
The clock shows 4h24
